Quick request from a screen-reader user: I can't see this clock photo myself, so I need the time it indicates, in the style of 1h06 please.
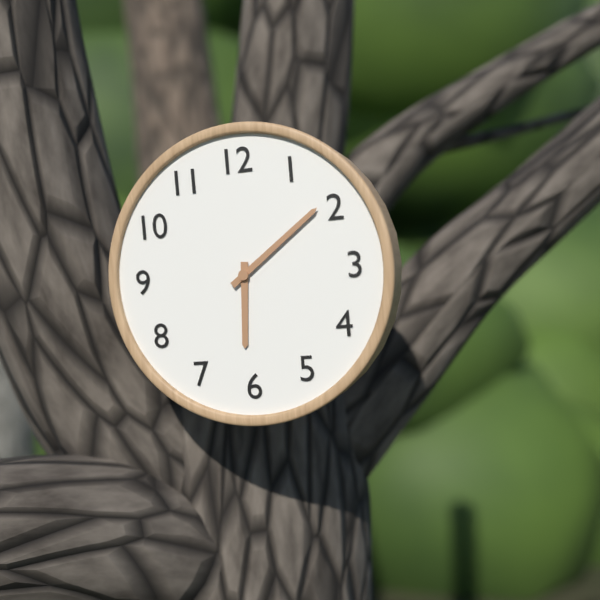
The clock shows 6h09
